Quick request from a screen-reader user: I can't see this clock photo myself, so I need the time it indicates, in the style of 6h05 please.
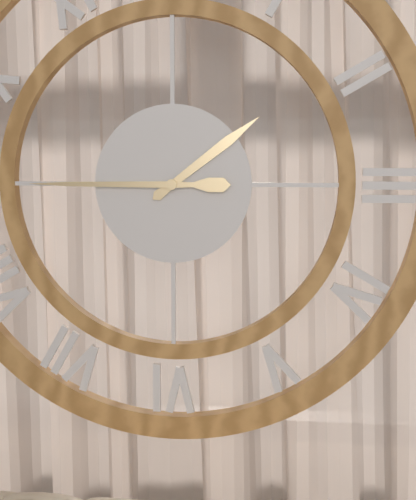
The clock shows 1h45
